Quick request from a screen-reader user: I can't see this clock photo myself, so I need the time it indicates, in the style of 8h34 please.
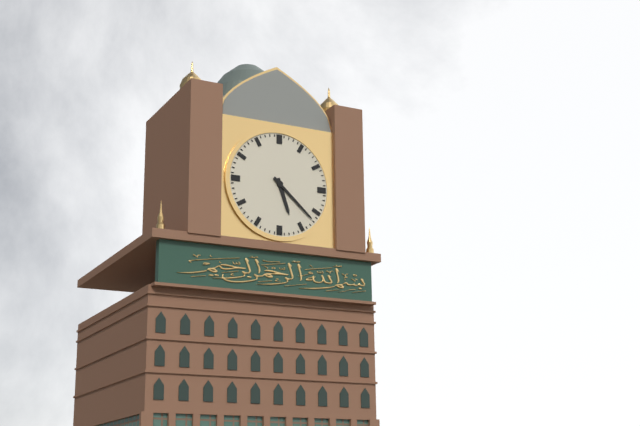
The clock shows 5h22
